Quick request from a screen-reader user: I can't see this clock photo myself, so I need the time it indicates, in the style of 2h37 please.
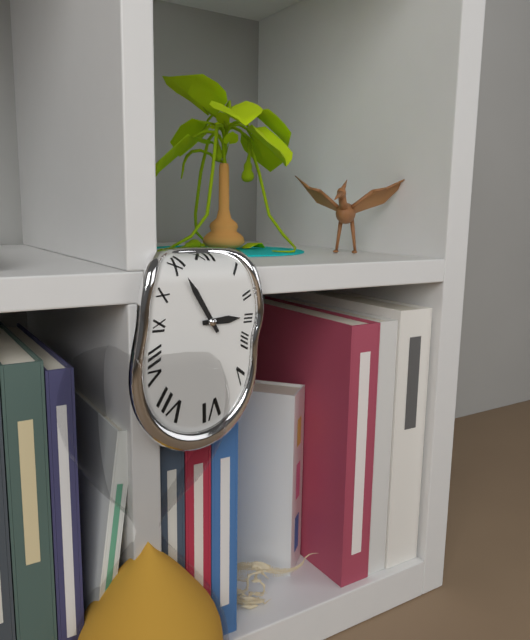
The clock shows 2h55
